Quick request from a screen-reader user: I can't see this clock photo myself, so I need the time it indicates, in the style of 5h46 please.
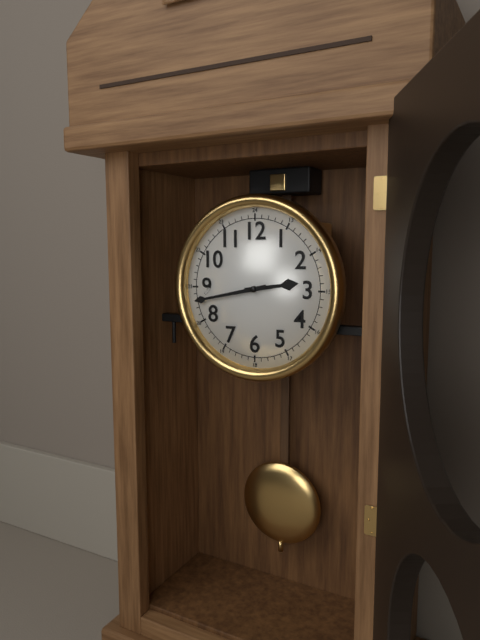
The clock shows 2h43
